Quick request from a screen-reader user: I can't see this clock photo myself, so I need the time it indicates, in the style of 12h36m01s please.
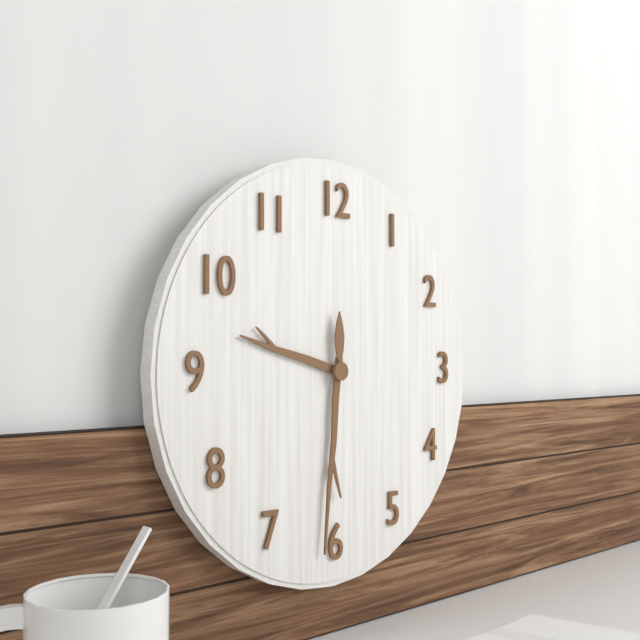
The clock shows 9h31m00s
